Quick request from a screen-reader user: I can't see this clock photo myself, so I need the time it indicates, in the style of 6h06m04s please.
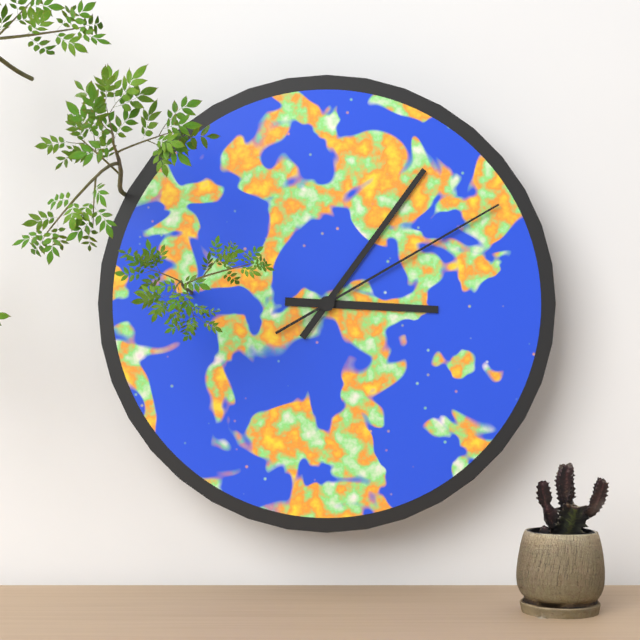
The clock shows 3h06m10s
